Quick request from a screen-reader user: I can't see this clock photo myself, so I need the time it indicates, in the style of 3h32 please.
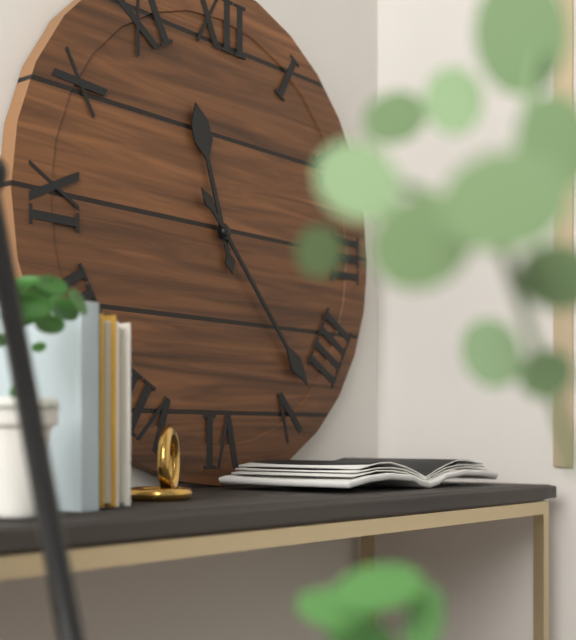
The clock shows 11h23
